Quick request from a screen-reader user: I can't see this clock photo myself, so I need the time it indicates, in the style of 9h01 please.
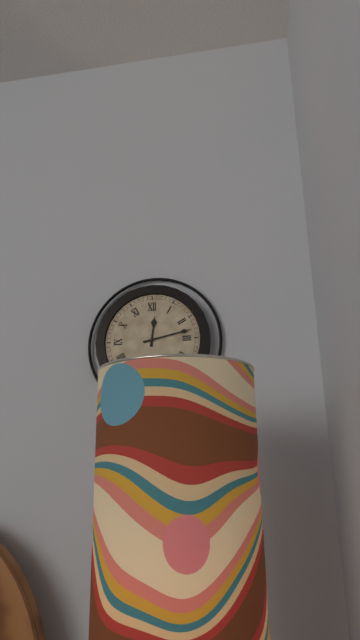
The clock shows 12h13
